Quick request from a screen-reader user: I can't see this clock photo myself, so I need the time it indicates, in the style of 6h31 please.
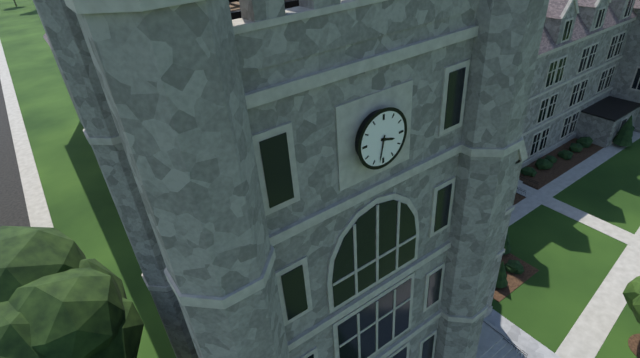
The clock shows 3h32
